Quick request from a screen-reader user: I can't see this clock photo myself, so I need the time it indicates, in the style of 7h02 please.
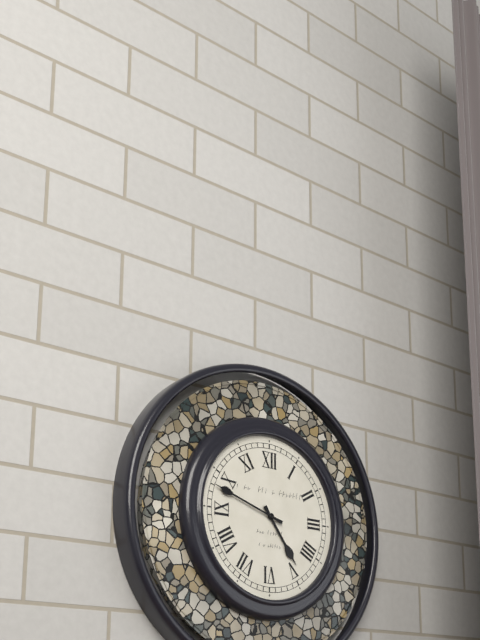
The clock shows 4h48
